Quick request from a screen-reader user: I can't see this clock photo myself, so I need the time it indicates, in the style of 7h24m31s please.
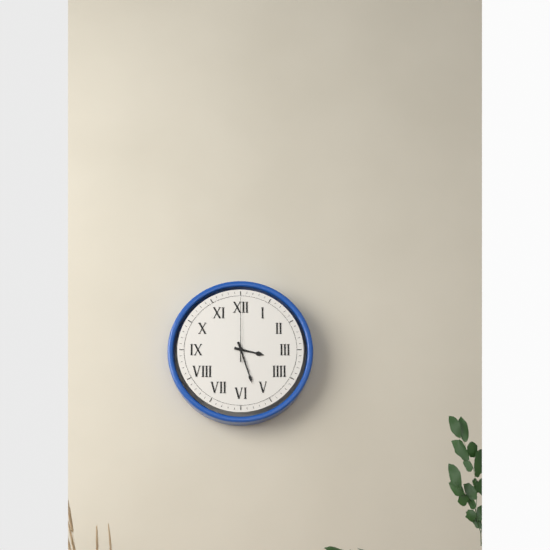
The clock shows 3h27m00s
